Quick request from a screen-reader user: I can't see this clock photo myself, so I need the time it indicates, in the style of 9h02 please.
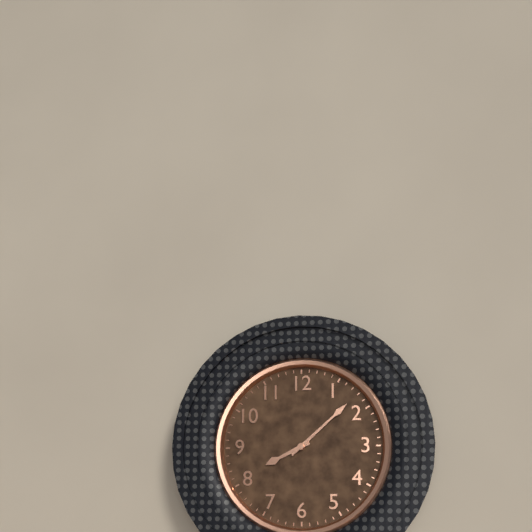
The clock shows 8h08
